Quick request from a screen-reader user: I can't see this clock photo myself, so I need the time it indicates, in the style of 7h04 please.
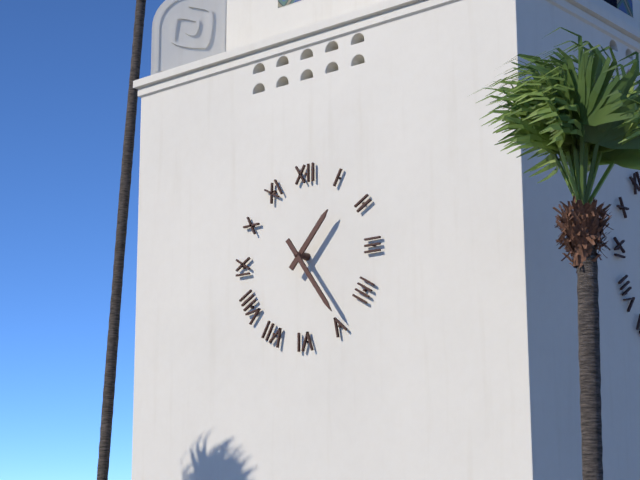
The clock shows 1h24
